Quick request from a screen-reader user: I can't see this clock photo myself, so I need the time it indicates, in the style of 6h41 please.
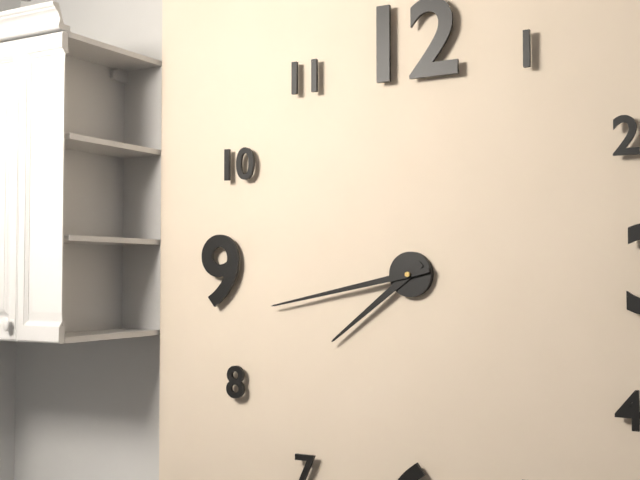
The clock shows 7h43
